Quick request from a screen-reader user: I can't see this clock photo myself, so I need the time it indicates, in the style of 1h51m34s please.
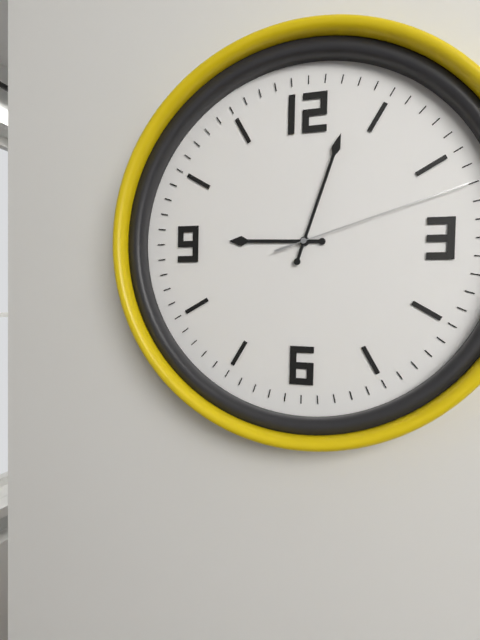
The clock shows 9h03m12s
